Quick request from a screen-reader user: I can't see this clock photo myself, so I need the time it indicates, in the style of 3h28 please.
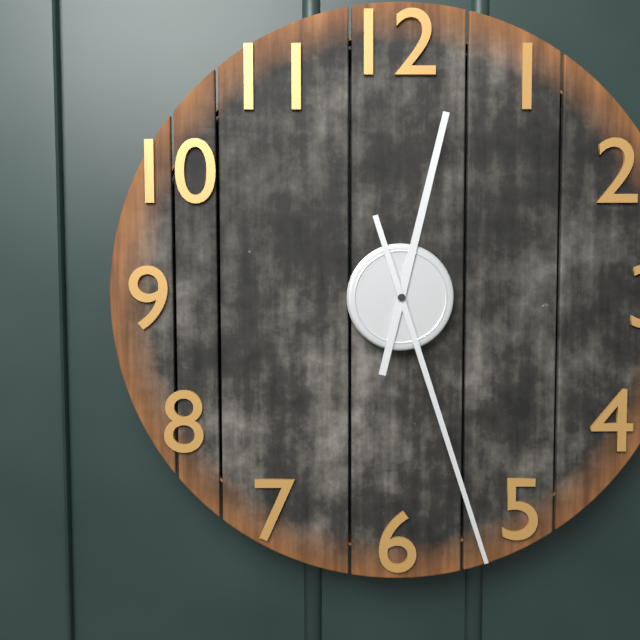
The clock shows 12h27
